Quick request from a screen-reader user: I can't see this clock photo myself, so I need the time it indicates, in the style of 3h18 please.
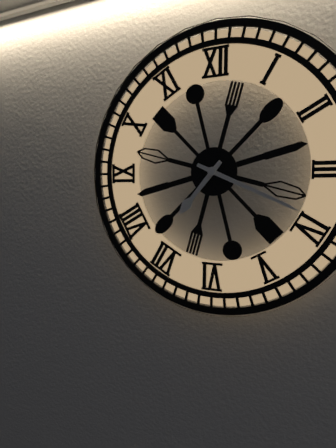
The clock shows 7h19
